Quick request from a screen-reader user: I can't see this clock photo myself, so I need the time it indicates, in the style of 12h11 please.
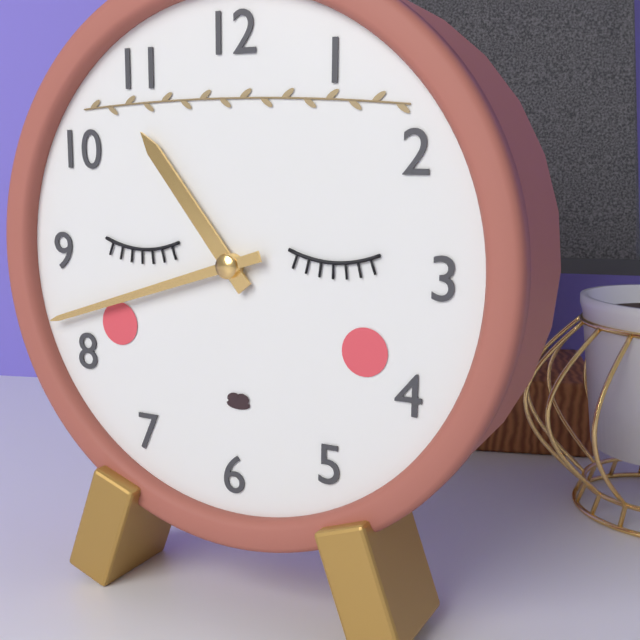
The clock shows 10h42
